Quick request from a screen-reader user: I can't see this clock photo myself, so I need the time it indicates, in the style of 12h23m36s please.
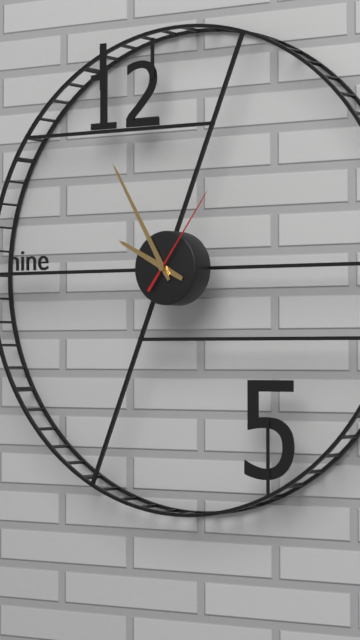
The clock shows 9h55m06s
